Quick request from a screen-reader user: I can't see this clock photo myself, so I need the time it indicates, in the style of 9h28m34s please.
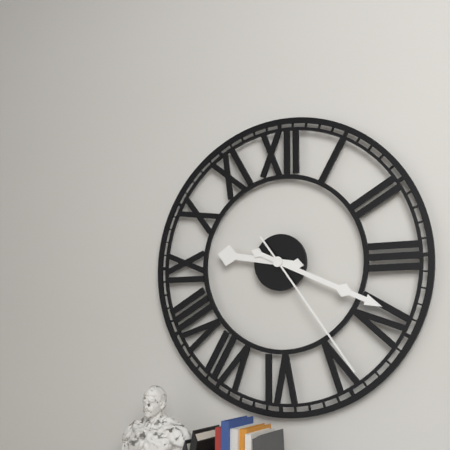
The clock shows 9h19m24s
